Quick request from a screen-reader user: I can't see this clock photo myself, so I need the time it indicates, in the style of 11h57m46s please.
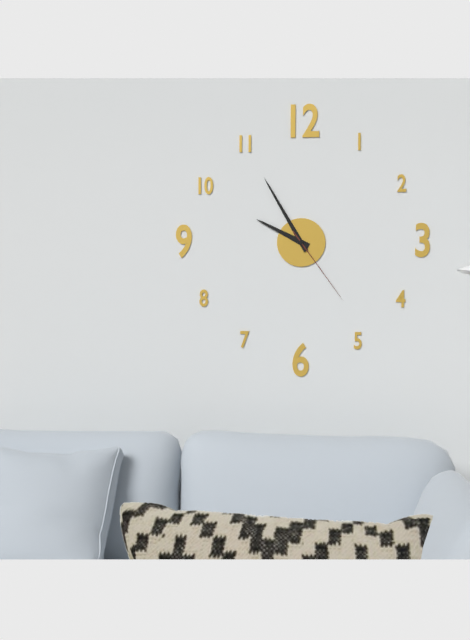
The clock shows 9h55m24s
